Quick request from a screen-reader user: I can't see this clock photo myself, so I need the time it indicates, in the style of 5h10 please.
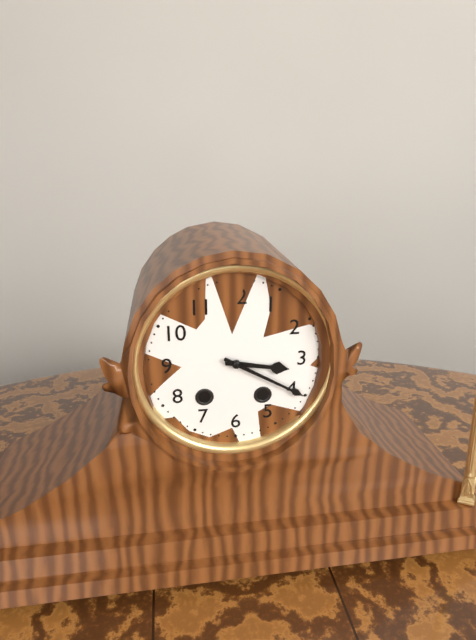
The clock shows 3h20
